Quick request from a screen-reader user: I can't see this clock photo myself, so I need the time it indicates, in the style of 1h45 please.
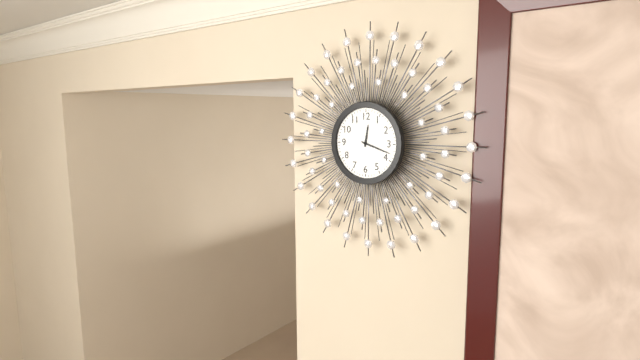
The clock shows 12h18
